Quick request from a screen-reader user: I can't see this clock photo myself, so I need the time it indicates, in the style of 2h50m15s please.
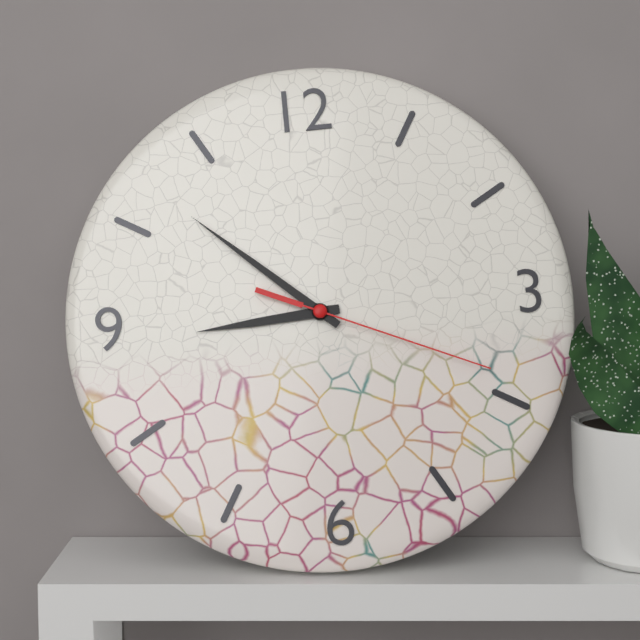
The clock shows 8h52m19s
